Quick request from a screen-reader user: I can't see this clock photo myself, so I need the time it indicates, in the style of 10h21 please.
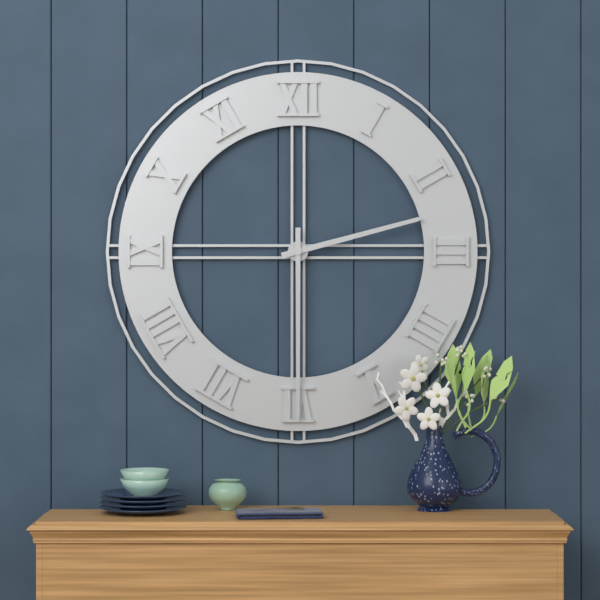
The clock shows 2h30
